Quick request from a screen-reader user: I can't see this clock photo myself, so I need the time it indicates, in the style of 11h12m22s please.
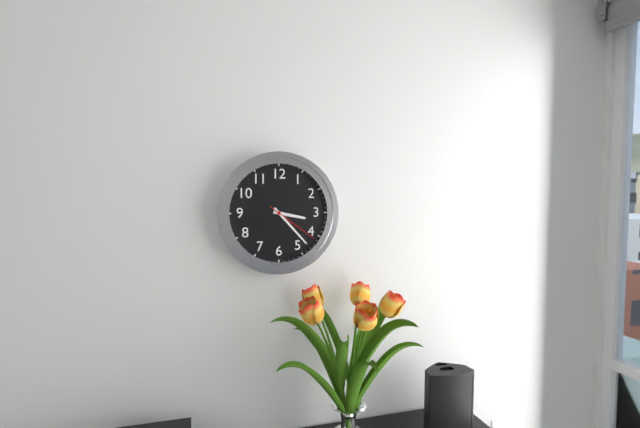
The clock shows 3h23m21s
